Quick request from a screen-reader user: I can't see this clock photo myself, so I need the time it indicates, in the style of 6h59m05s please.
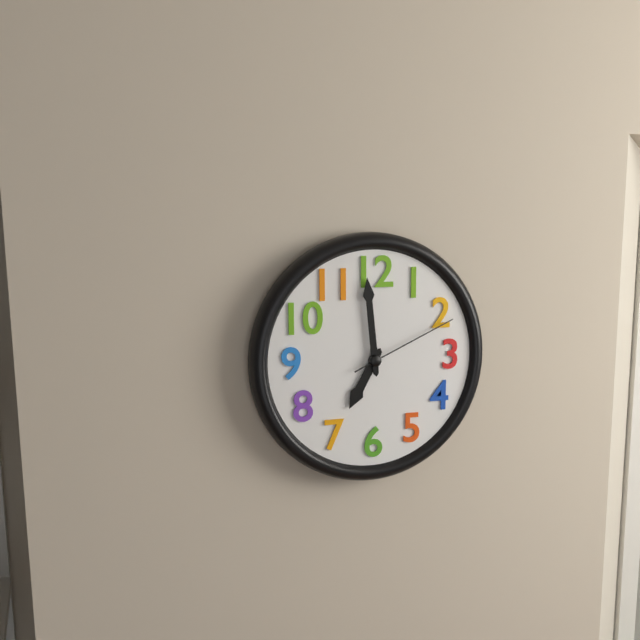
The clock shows 6h59m11s
